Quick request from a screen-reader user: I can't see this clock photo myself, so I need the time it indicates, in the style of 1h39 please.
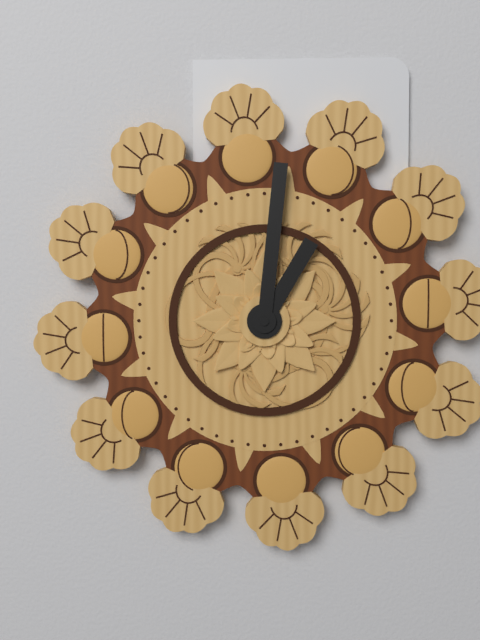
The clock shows 1h01
